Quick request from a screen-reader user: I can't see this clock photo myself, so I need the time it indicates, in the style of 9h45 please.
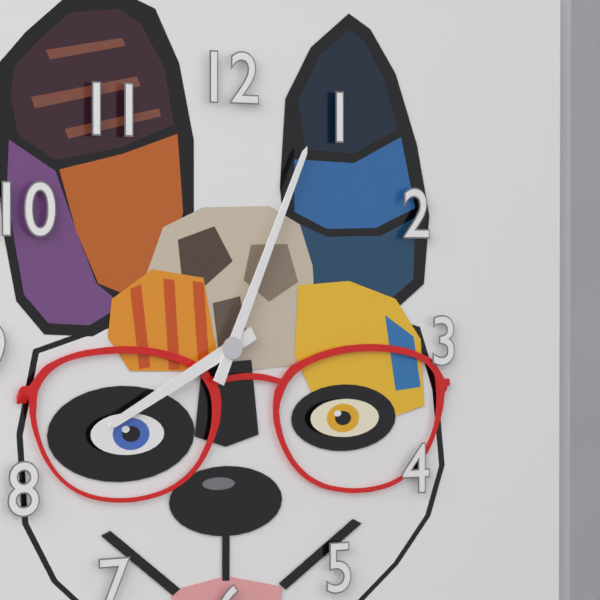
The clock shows 8h04
